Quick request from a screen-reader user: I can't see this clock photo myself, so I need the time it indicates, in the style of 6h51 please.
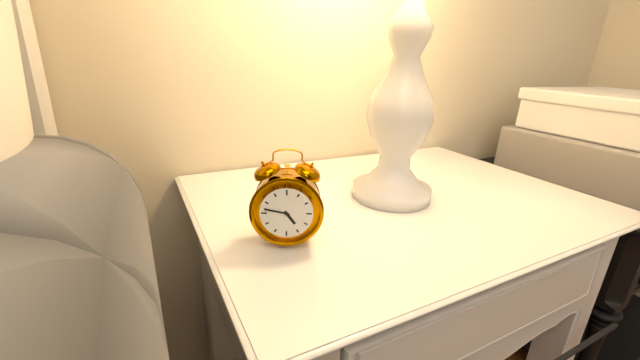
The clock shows 4h47
